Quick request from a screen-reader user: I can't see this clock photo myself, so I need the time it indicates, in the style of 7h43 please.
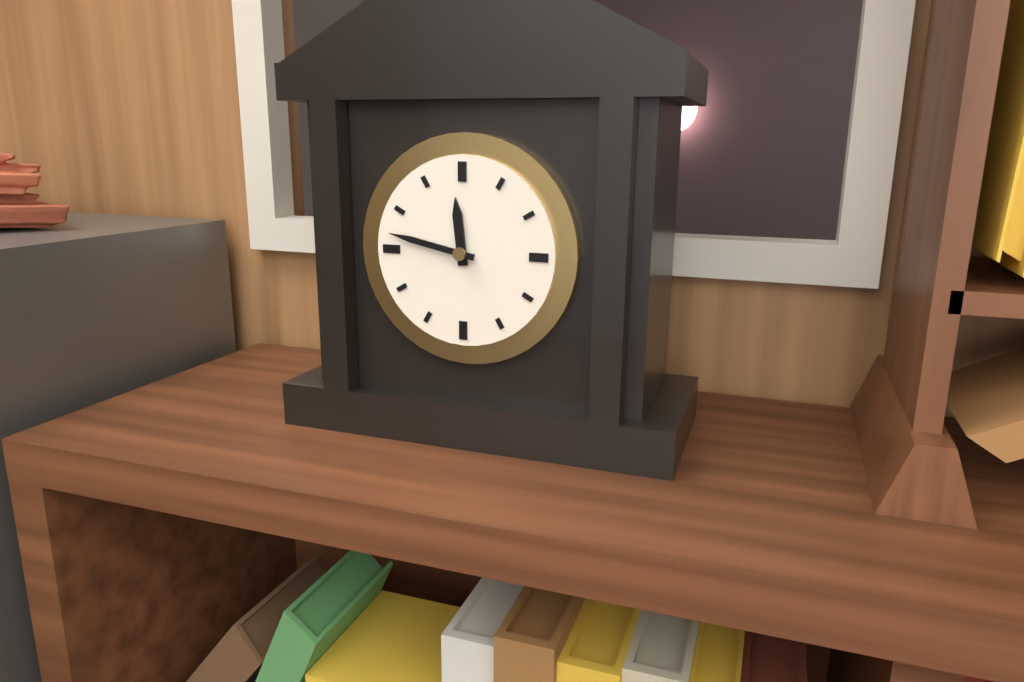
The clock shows 11h47
